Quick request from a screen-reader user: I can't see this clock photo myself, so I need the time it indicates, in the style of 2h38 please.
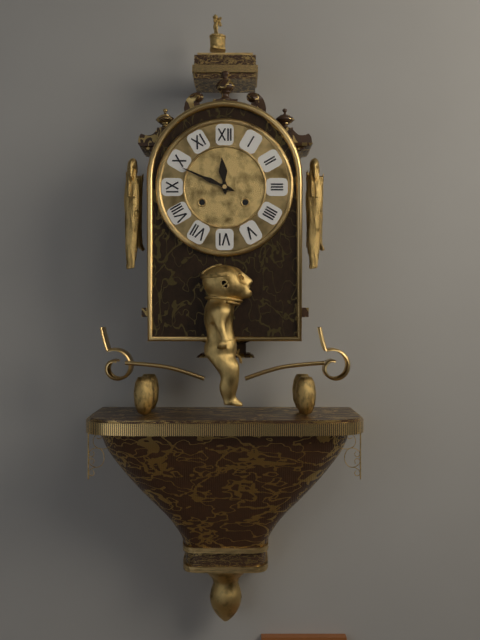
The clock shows 11h49
